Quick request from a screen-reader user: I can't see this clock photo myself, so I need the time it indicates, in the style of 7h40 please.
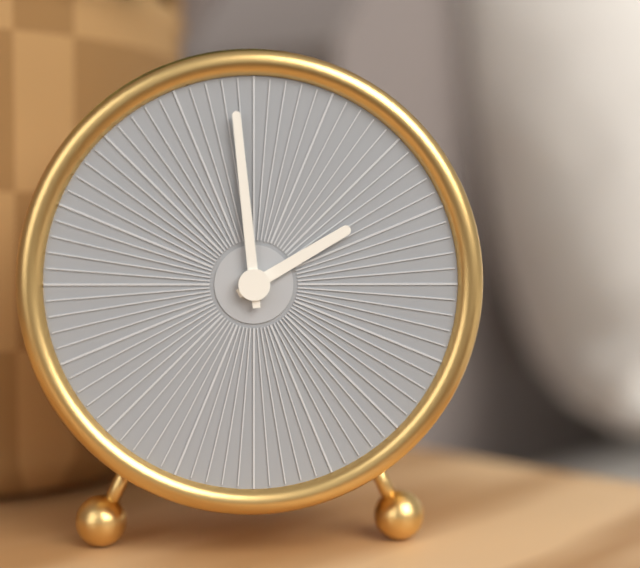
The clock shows 1h59
